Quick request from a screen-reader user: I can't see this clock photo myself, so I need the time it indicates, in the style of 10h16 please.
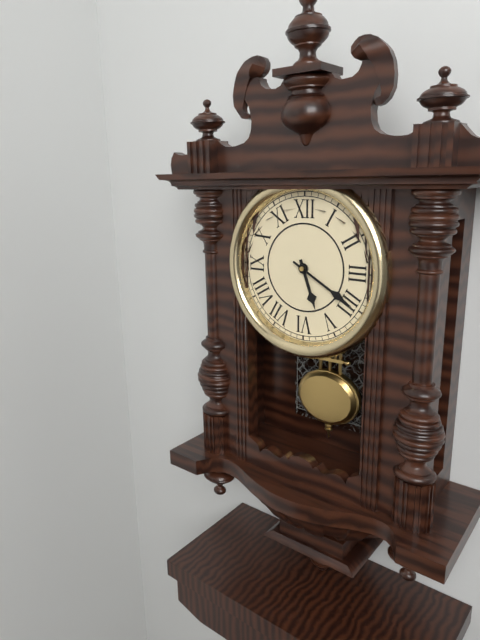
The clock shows 5h20
